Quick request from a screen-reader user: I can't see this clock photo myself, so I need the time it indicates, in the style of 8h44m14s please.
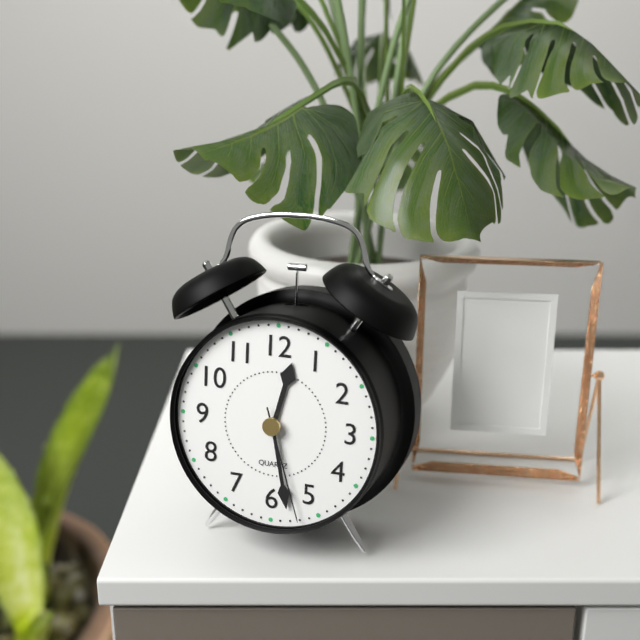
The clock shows 12h28m27s
